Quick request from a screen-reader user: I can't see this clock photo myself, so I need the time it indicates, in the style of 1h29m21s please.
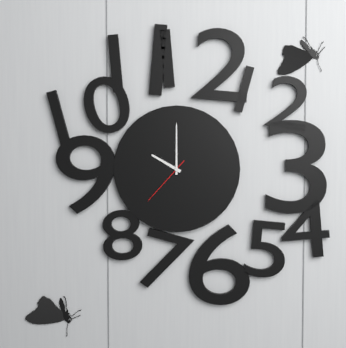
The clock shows 10h00m37s
